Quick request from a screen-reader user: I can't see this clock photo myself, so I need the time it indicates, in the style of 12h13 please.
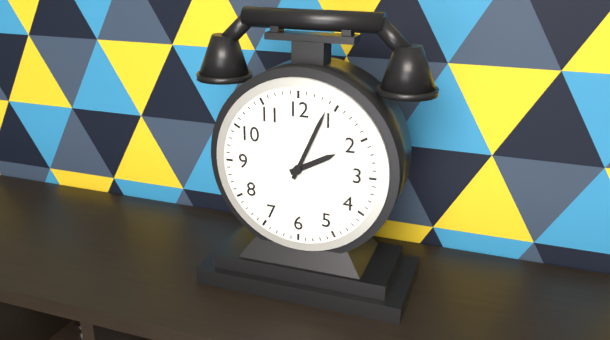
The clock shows 2h04
